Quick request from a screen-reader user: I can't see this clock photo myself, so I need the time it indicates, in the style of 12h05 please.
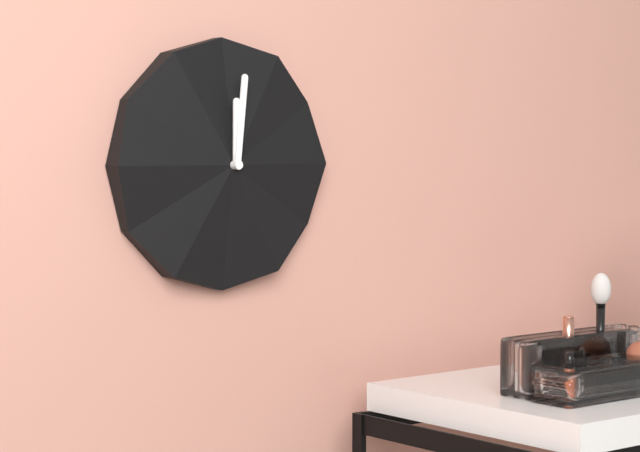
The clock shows 12h01
